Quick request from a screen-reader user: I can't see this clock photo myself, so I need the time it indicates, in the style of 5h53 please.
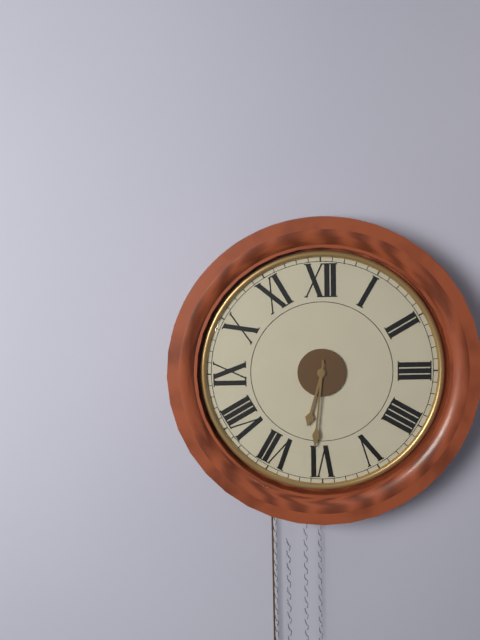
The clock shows 6h31
